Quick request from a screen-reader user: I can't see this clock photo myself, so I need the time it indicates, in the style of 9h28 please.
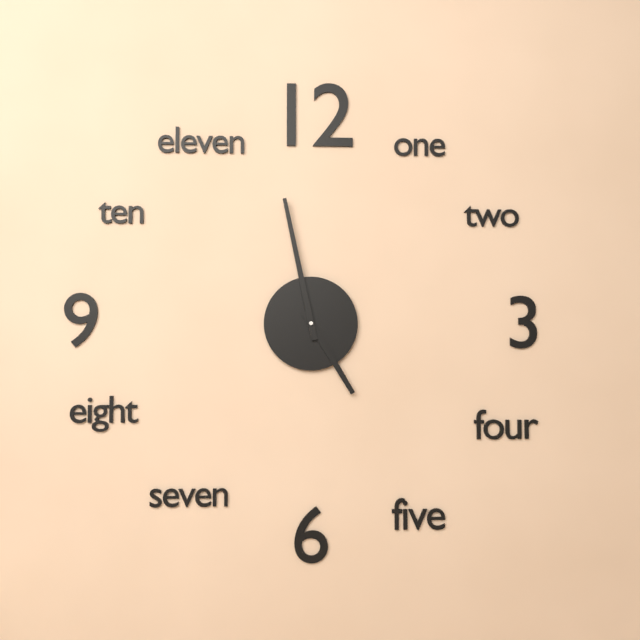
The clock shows 4h58
